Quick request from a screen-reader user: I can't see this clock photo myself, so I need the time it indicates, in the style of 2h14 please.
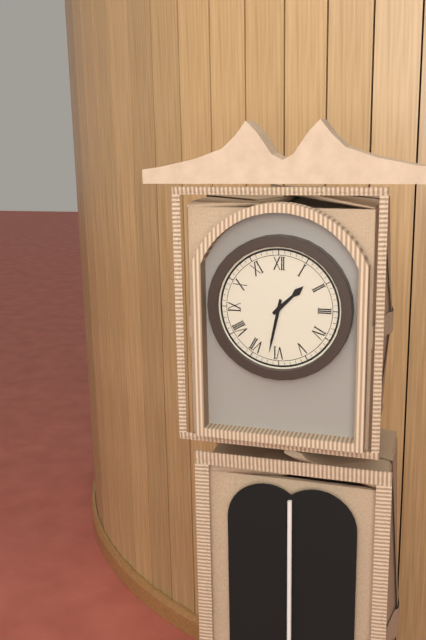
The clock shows 1h32
